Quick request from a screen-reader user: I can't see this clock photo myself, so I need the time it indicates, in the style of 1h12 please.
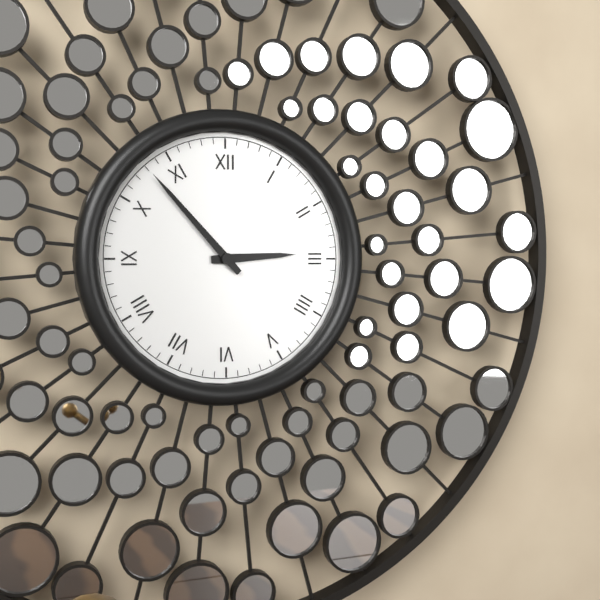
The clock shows 2h53
